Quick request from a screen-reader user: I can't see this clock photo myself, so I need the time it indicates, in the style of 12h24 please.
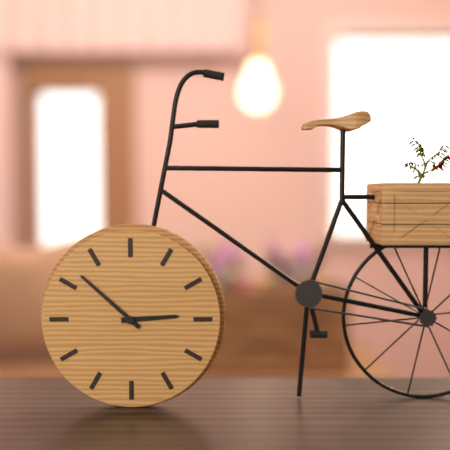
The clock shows 2h52
